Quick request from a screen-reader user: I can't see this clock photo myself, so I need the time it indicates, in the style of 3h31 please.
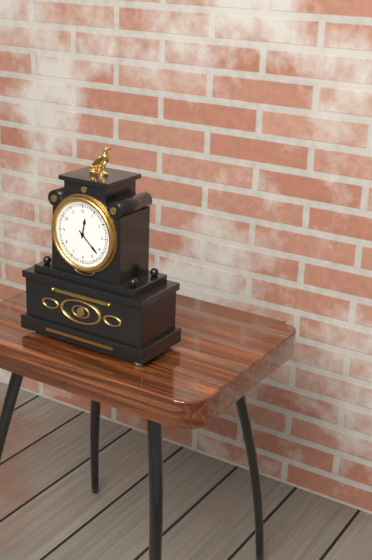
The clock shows 12h22
